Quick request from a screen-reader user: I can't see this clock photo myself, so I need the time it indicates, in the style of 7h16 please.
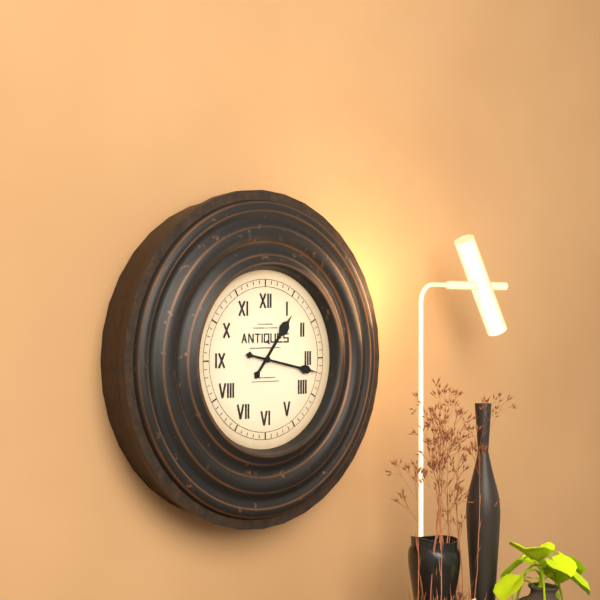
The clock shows 1h17
